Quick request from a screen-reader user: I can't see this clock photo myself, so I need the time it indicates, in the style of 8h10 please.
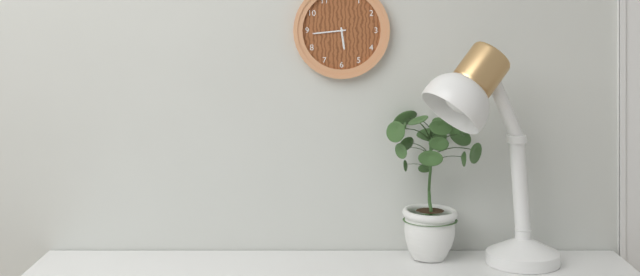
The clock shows 5h44
